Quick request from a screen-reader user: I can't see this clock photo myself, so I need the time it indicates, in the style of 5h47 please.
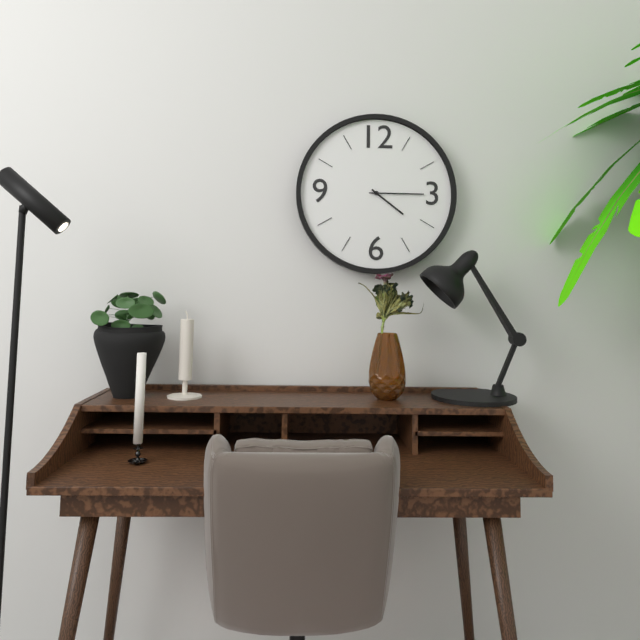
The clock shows 4h15
